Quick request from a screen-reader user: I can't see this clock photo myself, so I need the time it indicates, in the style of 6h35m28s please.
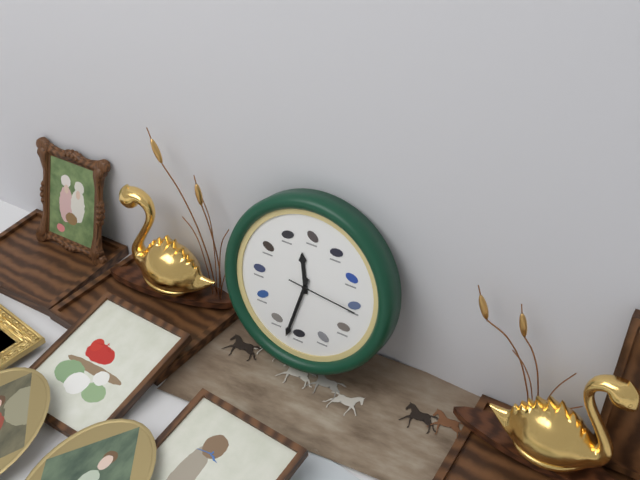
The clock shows 11h32m16s
